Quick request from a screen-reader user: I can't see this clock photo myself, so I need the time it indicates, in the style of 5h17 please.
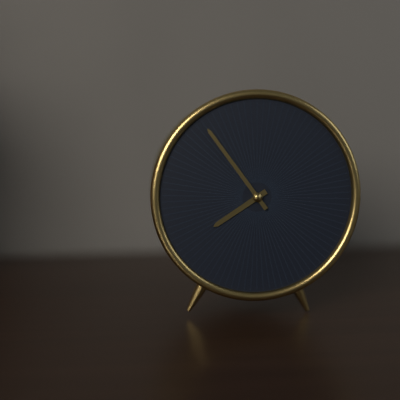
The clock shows 7h54
